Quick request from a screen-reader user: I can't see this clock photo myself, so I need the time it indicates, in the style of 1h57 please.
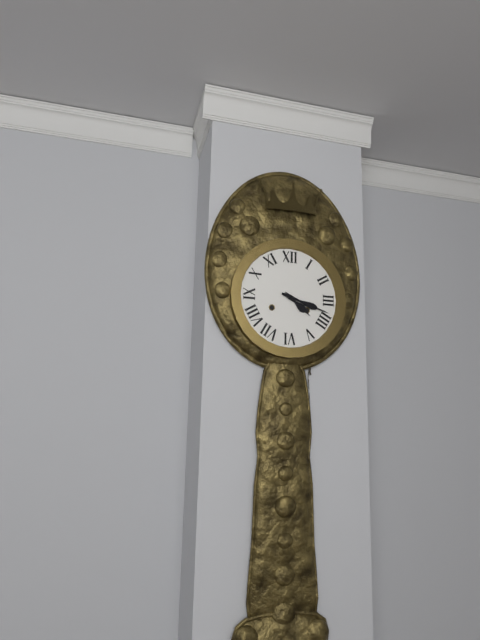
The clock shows 4h18
